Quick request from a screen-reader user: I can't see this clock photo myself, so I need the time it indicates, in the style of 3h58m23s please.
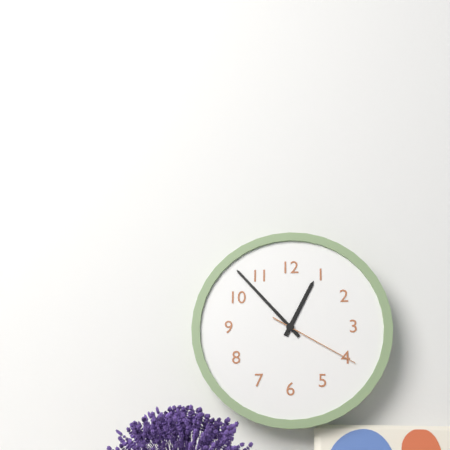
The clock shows 12h53m20s
